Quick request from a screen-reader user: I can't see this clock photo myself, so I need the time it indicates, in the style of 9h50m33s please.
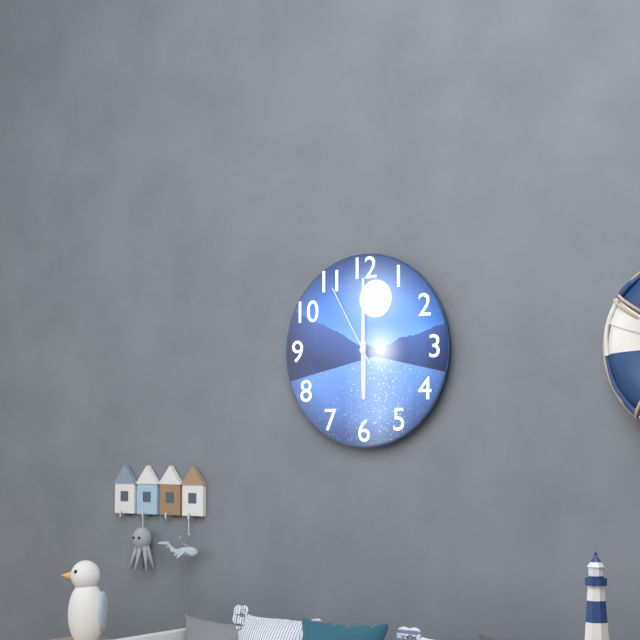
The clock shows 6h00m55s
